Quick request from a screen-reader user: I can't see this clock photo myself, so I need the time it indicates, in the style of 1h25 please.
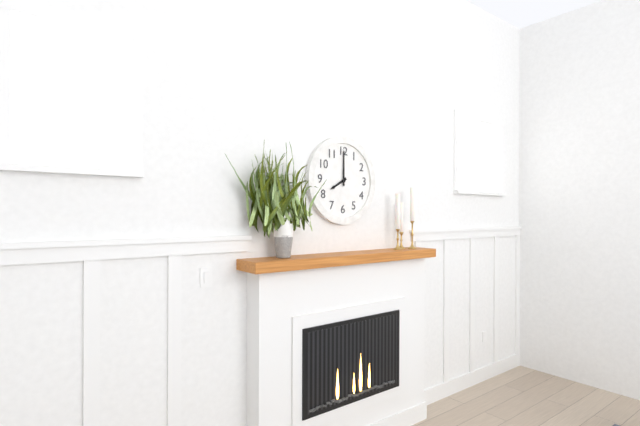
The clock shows 8h00
